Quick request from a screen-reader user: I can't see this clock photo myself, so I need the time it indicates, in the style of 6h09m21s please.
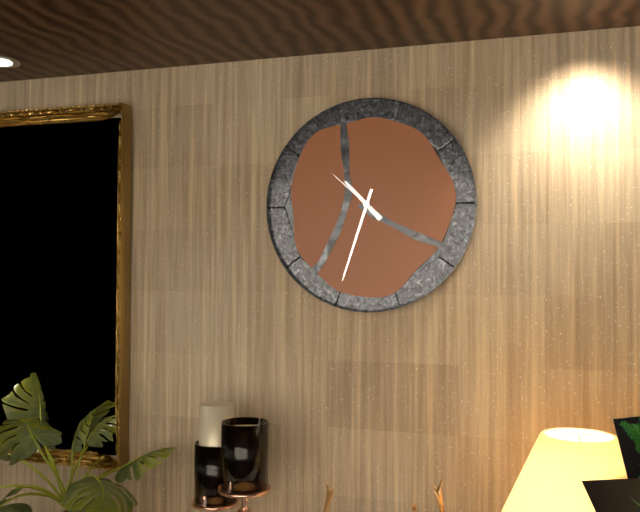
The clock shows 10h33m52s
